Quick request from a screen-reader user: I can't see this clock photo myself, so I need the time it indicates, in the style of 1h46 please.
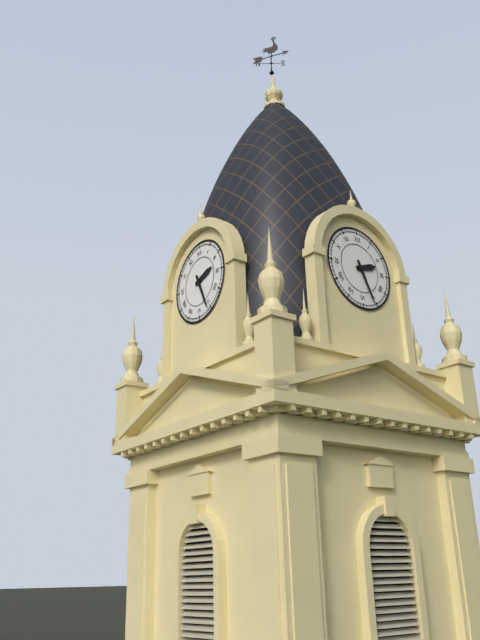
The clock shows 2h26
